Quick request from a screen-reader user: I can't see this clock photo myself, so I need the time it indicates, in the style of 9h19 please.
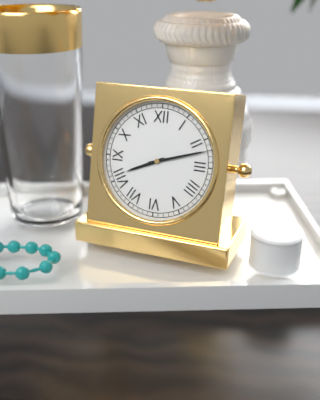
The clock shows 8h12
